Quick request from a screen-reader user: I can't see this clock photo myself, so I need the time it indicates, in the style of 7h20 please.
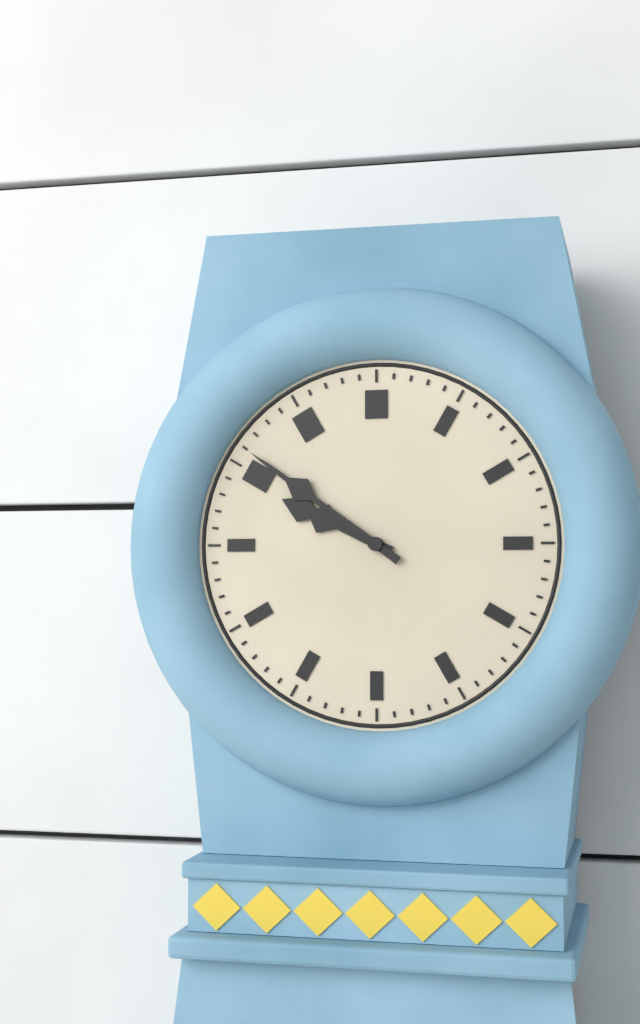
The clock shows 9h51
